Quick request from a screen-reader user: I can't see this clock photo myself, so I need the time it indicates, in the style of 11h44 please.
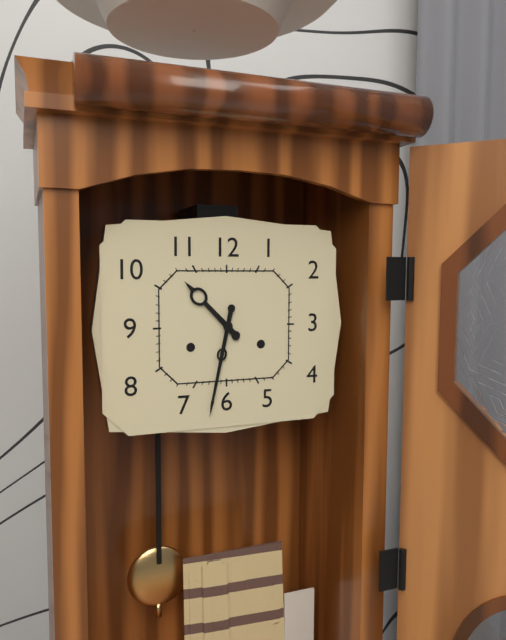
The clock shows 10h32
